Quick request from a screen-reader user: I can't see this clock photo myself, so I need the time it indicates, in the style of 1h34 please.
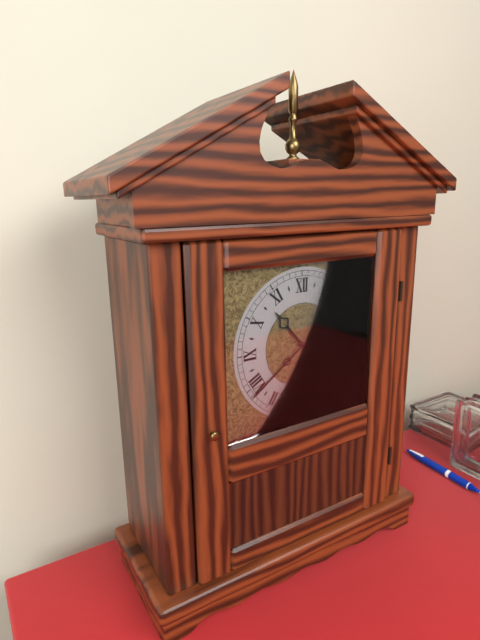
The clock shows 10h39
